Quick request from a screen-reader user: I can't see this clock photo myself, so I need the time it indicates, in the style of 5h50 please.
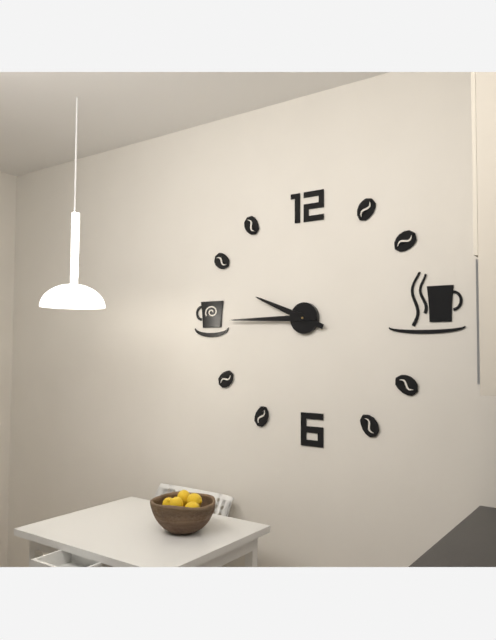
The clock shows 9h45
